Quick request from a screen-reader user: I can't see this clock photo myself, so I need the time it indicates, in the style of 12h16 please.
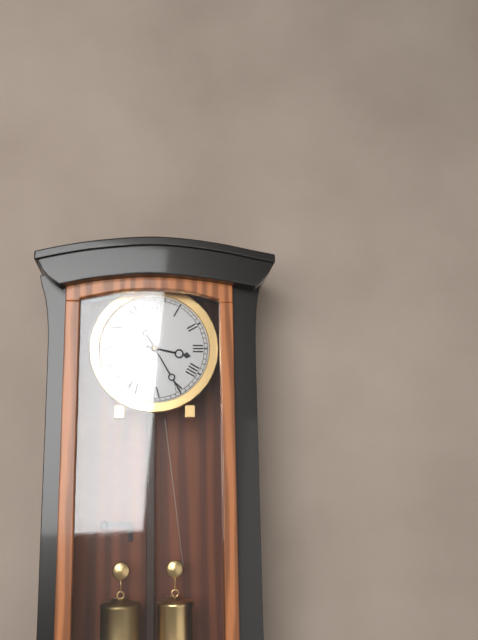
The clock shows 3h25
